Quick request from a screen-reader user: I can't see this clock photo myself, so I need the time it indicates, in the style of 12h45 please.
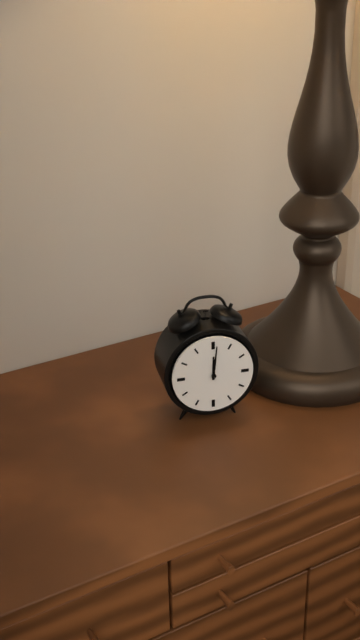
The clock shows 12h01
